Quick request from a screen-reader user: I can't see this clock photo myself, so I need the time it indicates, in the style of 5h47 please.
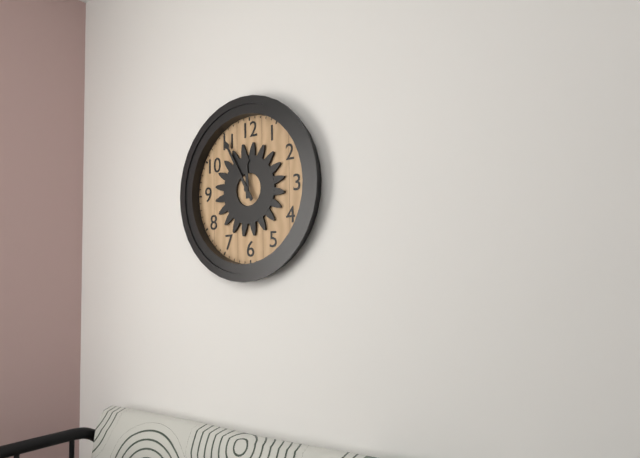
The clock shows 11h55
